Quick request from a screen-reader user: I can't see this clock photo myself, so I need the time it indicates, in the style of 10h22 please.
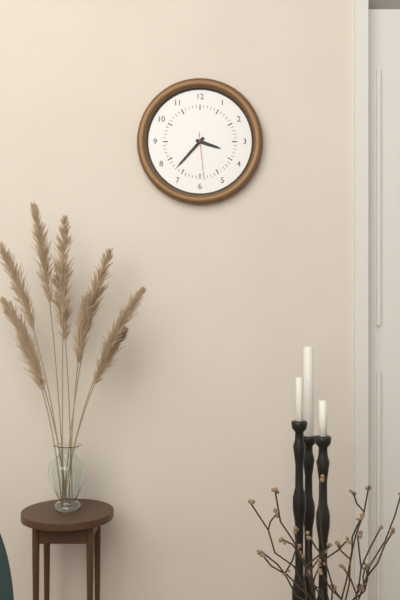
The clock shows 3h37
